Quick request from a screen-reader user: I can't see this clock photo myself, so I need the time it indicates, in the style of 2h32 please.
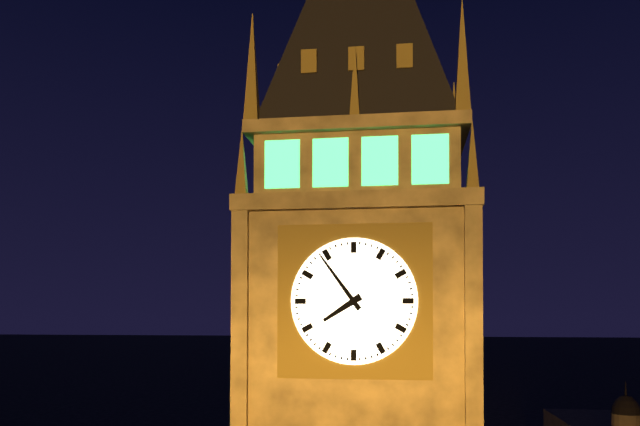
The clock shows 7h54
